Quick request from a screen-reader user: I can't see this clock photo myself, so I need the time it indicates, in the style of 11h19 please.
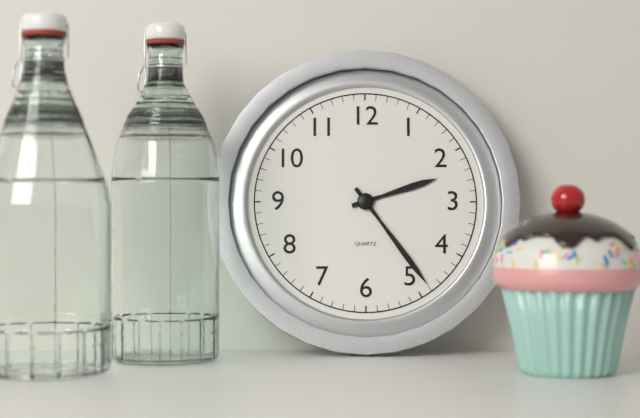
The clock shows 2h24
